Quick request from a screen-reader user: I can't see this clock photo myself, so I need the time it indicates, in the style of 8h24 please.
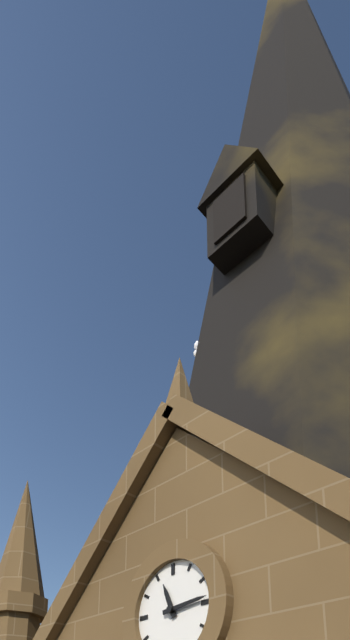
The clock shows 11h14
